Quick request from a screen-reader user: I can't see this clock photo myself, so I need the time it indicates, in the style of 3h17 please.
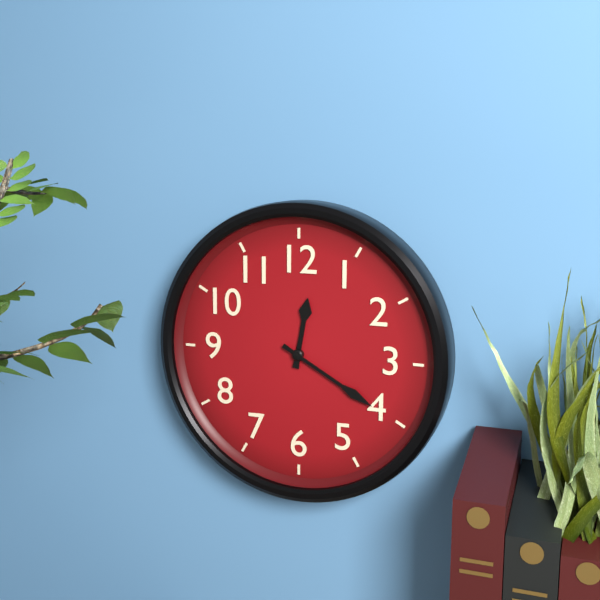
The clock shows 12h20
